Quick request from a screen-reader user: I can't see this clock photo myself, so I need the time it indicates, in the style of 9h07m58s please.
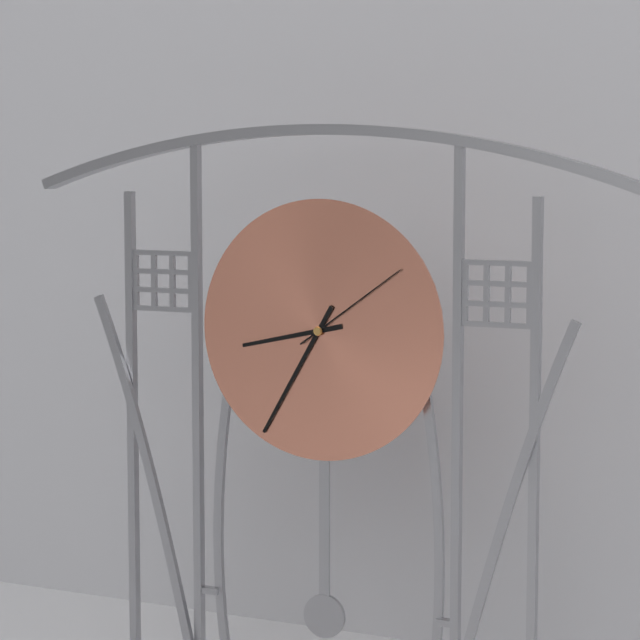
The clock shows 8h35m09s
